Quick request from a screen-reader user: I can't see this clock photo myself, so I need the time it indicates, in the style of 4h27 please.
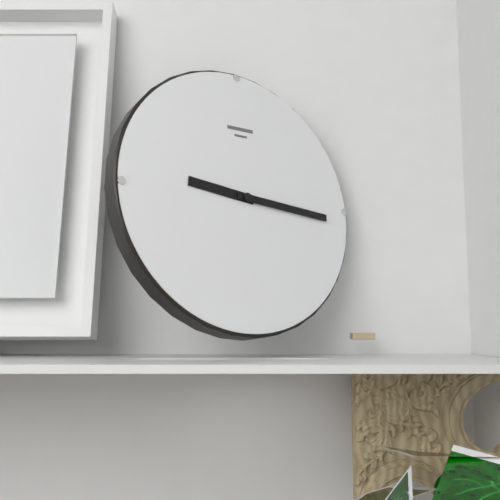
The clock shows 9h16
